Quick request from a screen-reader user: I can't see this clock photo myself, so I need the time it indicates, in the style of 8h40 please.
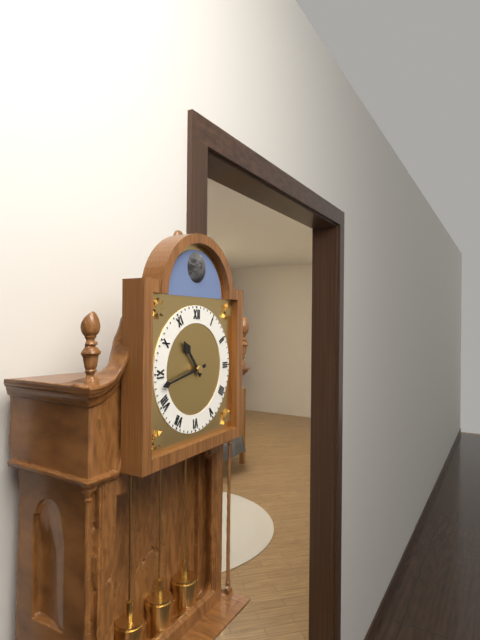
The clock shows 10h43
